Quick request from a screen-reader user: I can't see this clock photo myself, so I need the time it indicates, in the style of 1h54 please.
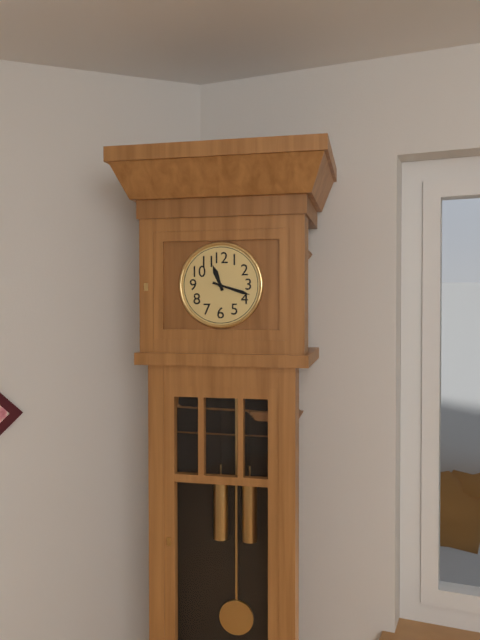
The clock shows 11h18
